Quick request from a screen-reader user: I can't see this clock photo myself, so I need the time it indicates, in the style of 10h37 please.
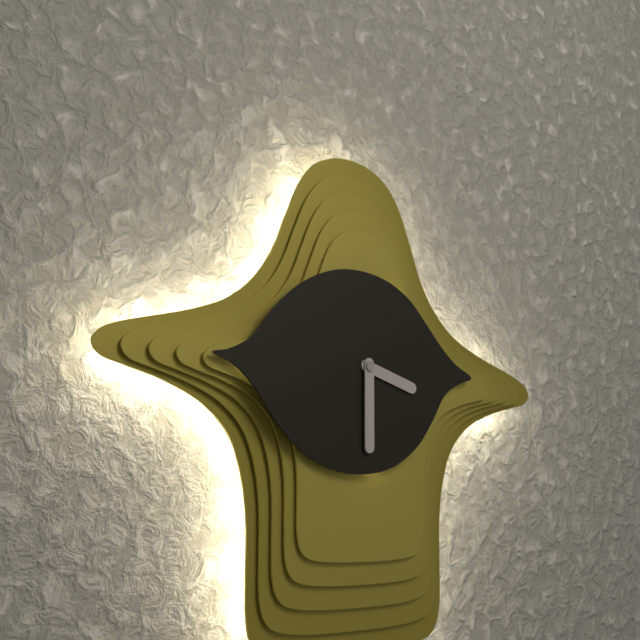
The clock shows 3h30
